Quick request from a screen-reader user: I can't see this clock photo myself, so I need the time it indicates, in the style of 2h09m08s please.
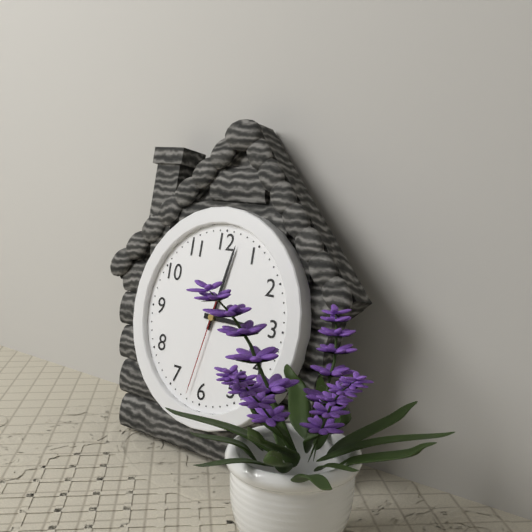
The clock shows 3h02m32s
